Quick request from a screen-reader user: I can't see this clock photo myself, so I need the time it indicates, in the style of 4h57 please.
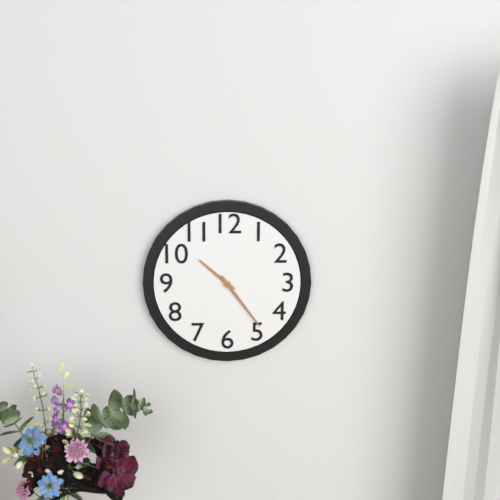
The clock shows 10h24
